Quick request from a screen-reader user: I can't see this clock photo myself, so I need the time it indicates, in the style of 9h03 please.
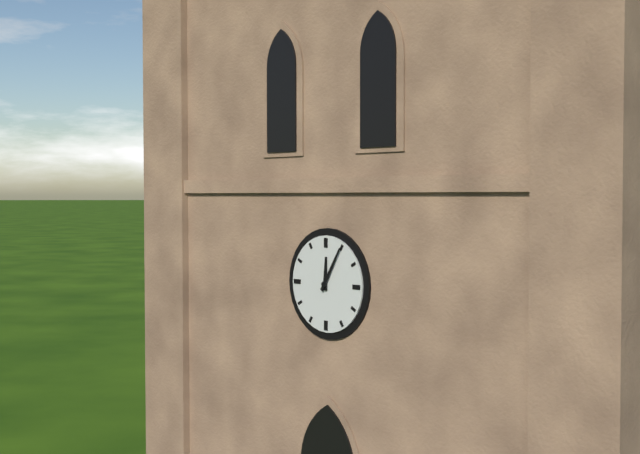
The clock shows 12h05
